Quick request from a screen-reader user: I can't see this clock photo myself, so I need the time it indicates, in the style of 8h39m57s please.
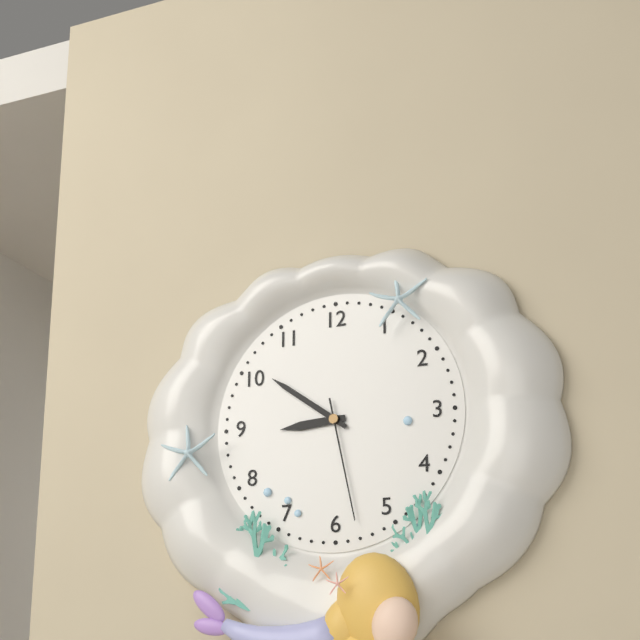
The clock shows 8h51m28s
